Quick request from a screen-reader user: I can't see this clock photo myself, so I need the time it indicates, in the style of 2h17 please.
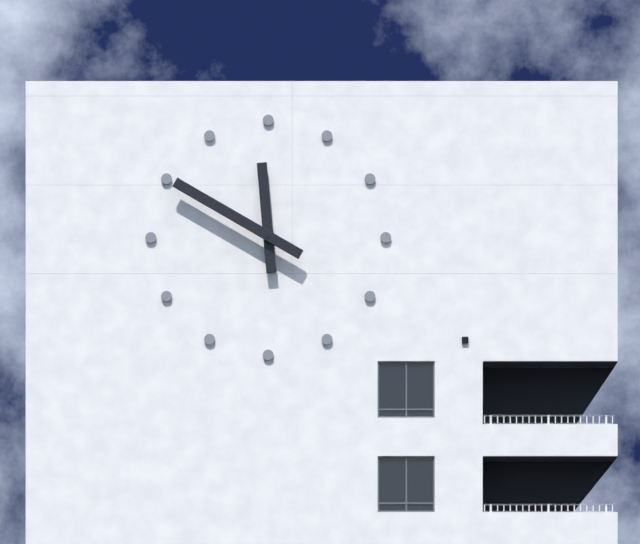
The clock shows 11h50
